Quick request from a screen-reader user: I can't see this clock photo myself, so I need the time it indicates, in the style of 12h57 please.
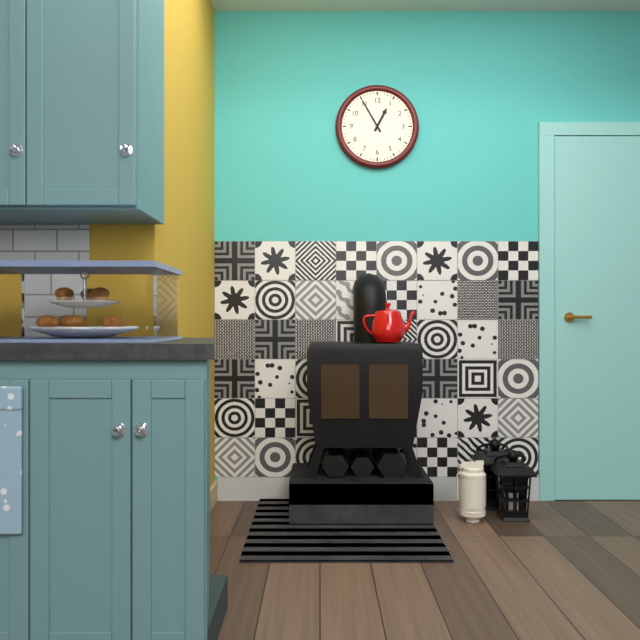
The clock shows 12h55
